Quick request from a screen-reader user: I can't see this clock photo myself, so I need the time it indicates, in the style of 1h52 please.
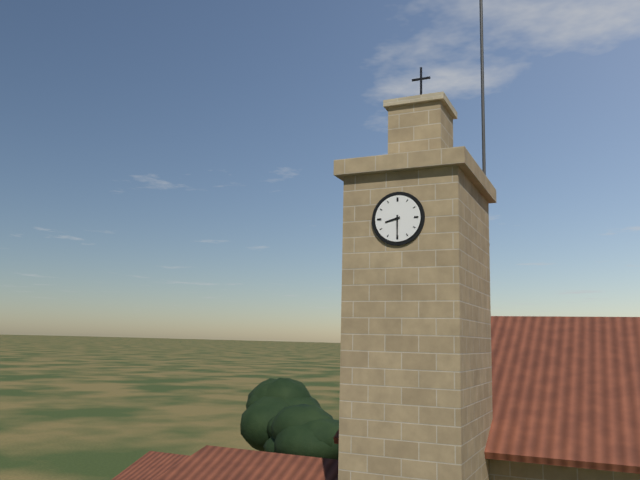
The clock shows 8h30
